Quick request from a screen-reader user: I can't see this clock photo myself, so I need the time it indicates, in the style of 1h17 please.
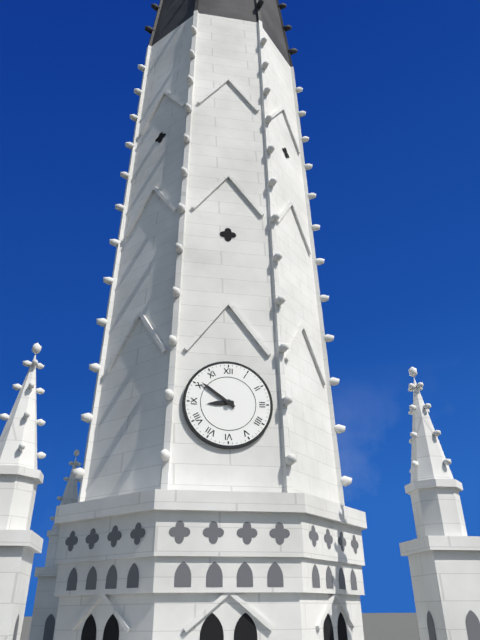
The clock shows 8h51
